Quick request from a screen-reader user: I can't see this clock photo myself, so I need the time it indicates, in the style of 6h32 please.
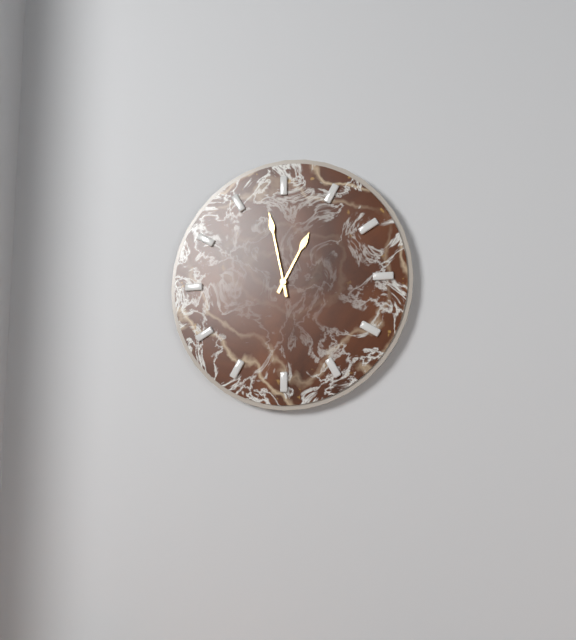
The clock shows 12h58
